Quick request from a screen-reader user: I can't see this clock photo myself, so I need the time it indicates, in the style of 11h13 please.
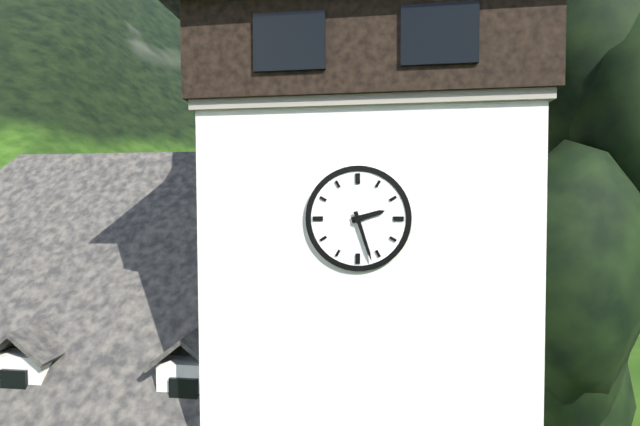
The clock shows 2h27
